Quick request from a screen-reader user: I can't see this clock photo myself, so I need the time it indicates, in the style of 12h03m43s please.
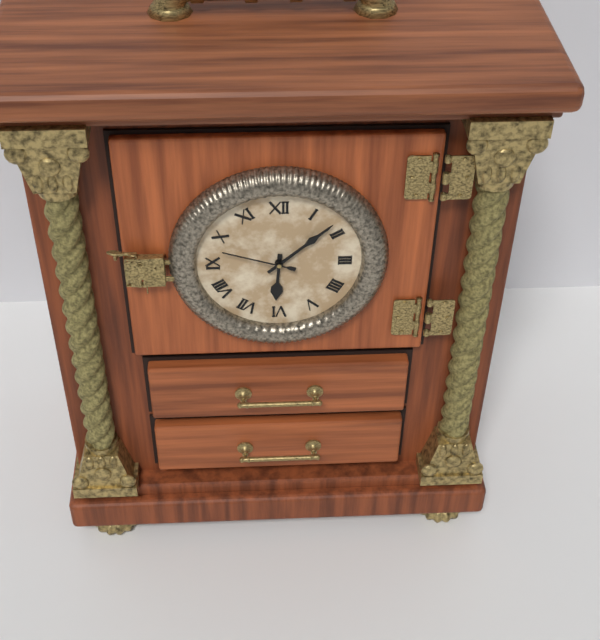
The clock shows 6h08m48s
